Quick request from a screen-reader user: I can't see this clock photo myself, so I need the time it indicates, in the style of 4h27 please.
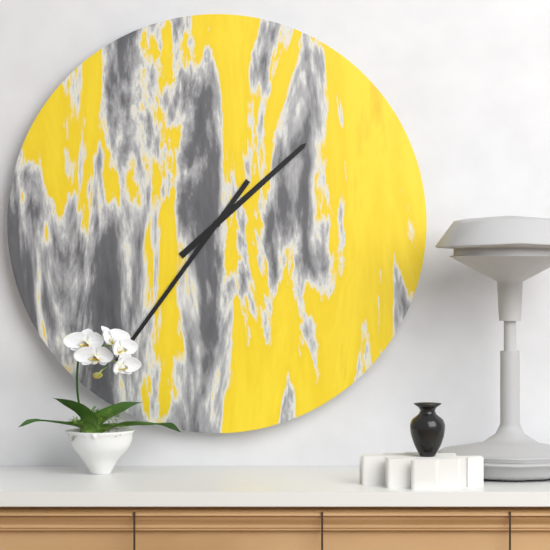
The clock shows 1h36
